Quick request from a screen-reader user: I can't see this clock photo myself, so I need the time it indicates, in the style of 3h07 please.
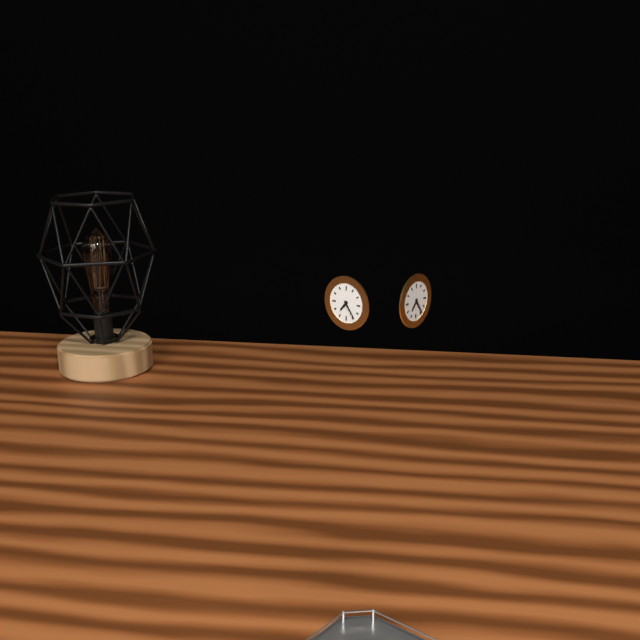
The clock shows 7h24
